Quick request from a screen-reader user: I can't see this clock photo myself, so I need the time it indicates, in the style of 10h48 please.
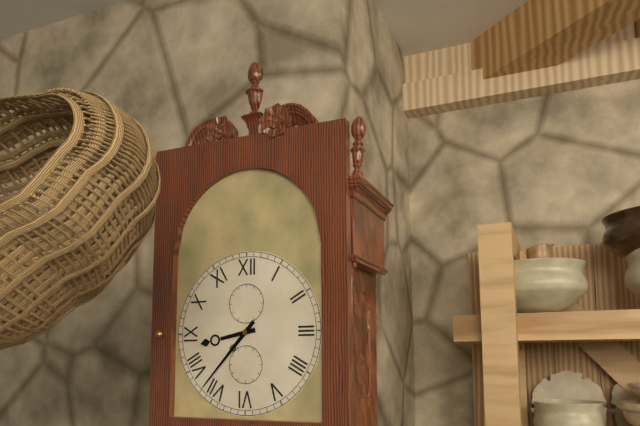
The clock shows 8h37
